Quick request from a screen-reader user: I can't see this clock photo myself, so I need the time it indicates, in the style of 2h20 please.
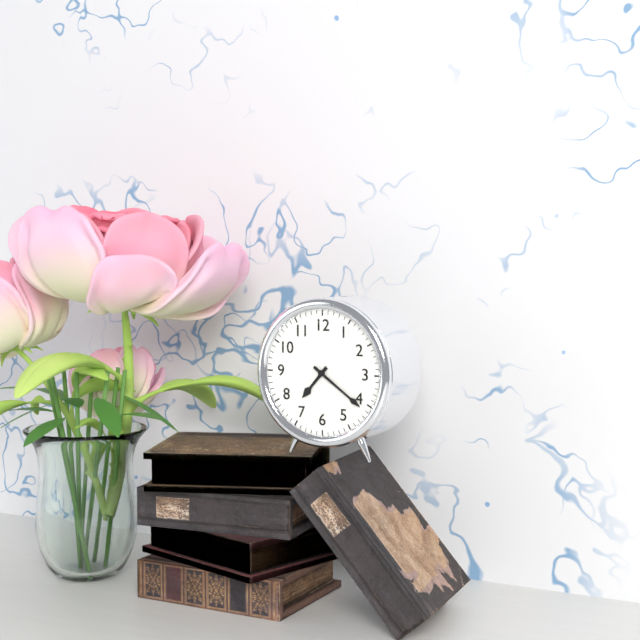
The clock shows 7h21
